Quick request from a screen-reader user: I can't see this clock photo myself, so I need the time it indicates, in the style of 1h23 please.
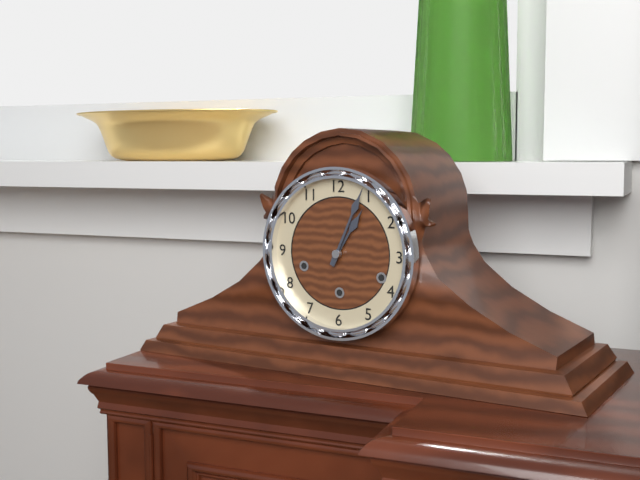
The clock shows 1h04
